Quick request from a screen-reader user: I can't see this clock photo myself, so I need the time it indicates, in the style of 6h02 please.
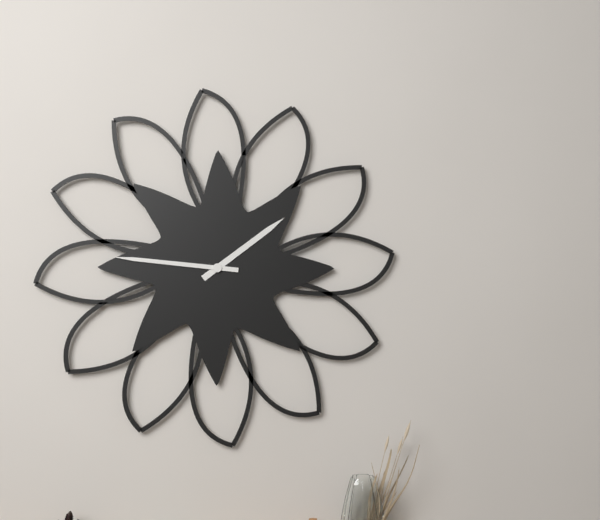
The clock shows 1h46
